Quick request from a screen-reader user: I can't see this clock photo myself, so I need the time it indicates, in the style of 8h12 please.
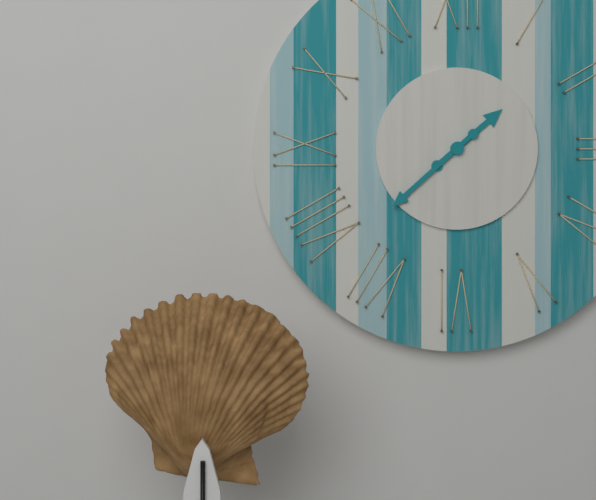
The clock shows 1h38
